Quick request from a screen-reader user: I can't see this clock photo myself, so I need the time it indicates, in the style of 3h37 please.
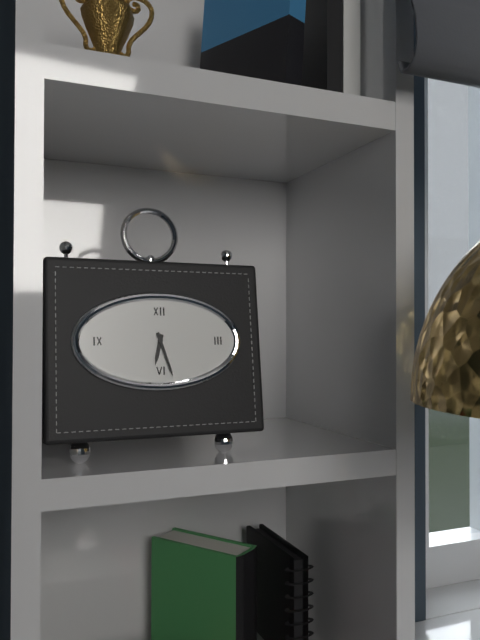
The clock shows 6h27
